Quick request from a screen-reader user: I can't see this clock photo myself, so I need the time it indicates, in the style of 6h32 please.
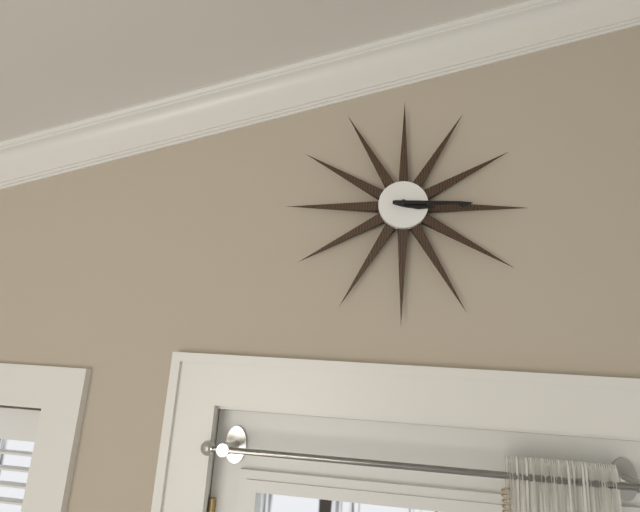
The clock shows 3h15
